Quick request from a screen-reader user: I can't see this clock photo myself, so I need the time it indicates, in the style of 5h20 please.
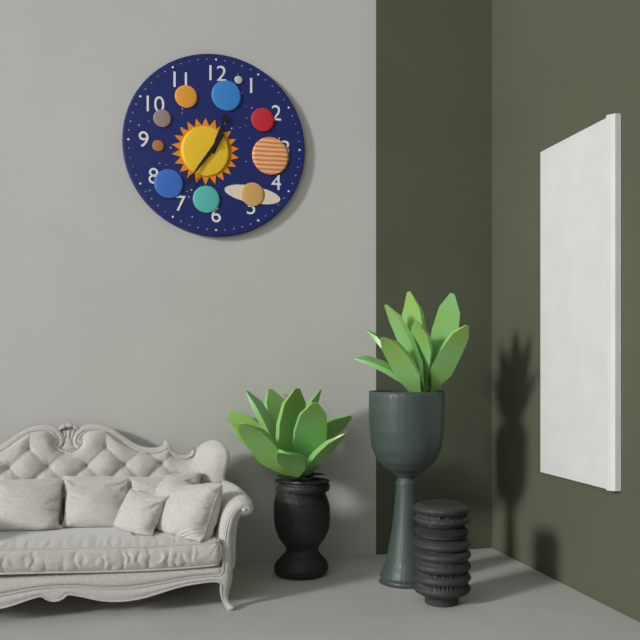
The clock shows 12h36
